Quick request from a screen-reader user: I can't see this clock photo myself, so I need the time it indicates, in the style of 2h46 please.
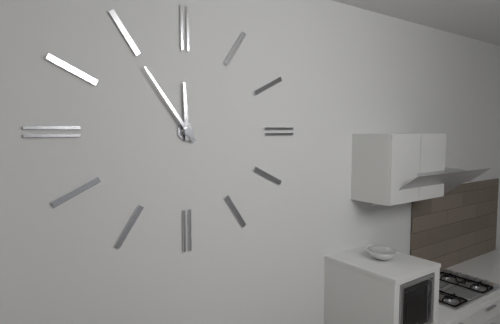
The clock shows 11h54
